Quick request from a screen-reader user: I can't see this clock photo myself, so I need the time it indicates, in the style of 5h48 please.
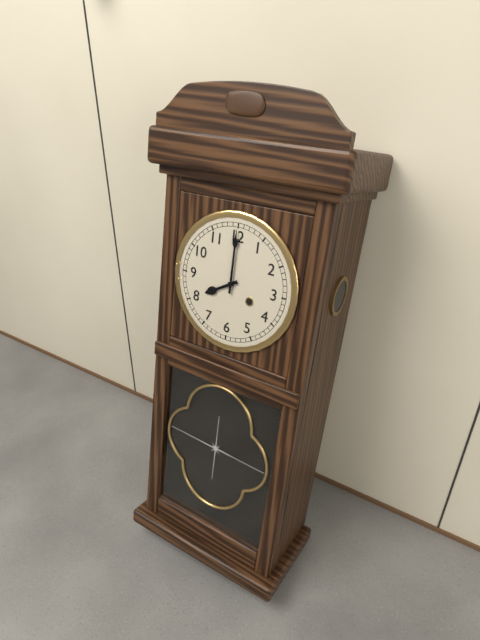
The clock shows 8h00
